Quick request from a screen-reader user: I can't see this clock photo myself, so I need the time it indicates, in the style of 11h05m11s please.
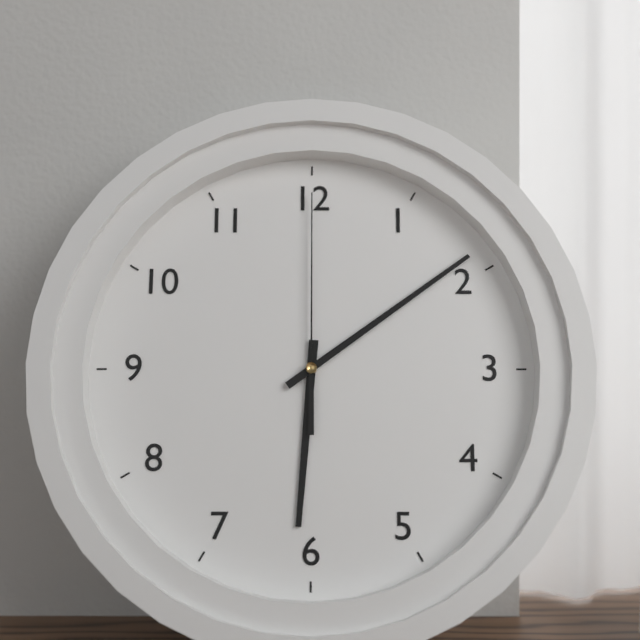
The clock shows 6h09m00s
